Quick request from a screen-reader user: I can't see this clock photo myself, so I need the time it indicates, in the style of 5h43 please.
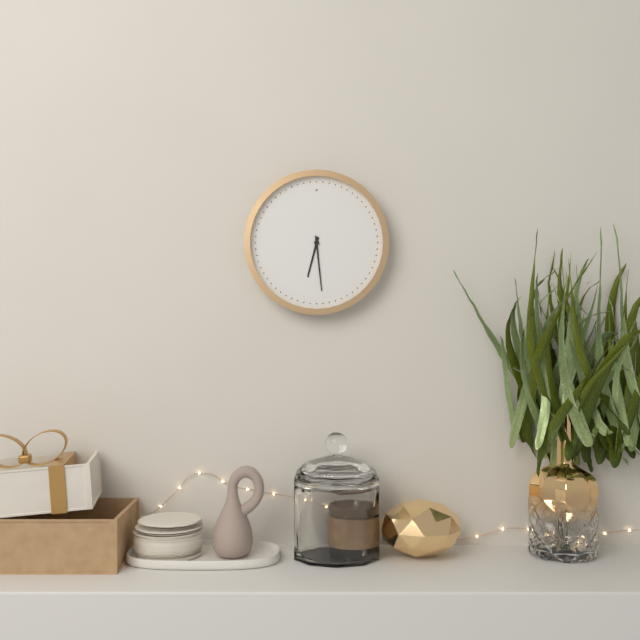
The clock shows 6h29
